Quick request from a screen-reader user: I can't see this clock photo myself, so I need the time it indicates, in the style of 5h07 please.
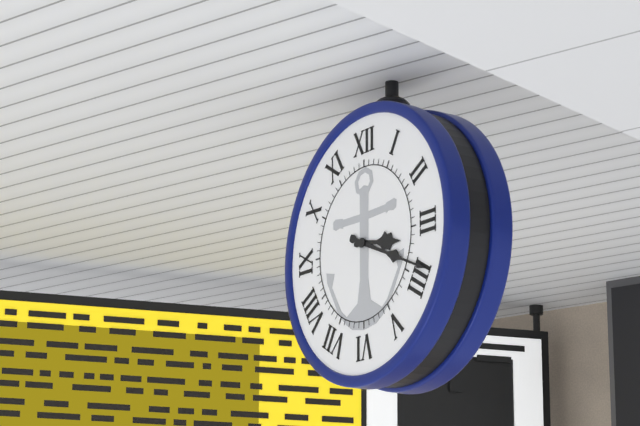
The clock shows 3h19
